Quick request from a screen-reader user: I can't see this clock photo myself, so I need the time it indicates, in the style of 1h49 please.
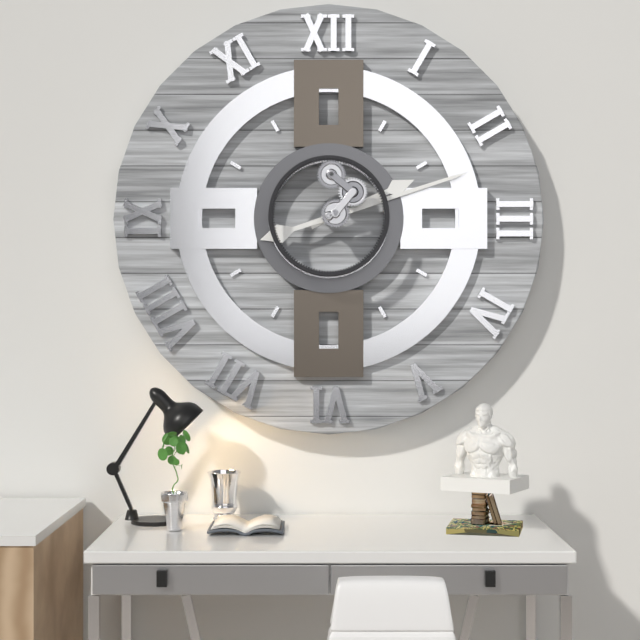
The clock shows 2h12
